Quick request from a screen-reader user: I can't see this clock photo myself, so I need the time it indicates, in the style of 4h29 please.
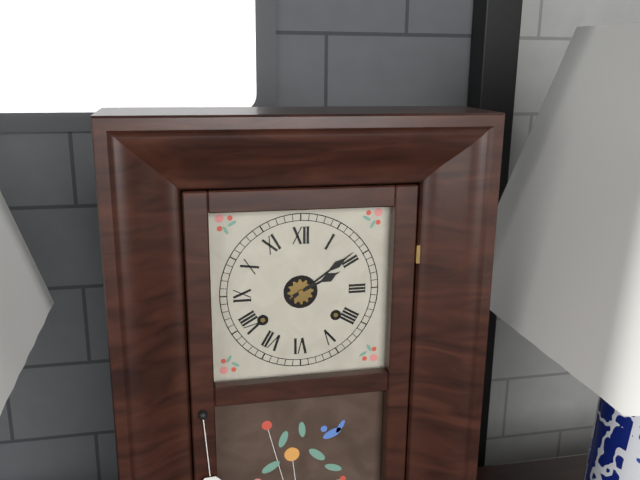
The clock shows 2h09
